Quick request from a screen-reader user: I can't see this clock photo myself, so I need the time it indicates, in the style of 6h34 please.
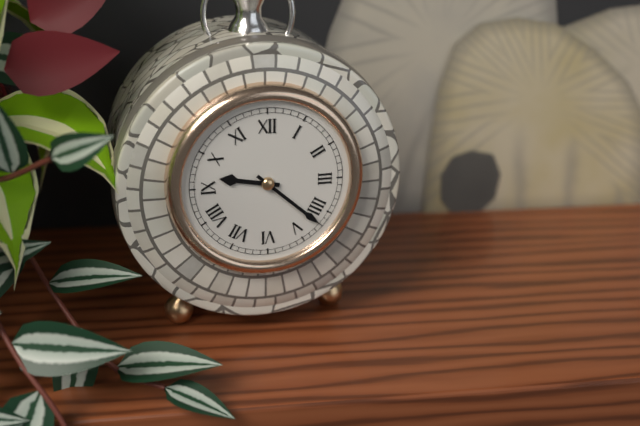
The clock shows 9h22
